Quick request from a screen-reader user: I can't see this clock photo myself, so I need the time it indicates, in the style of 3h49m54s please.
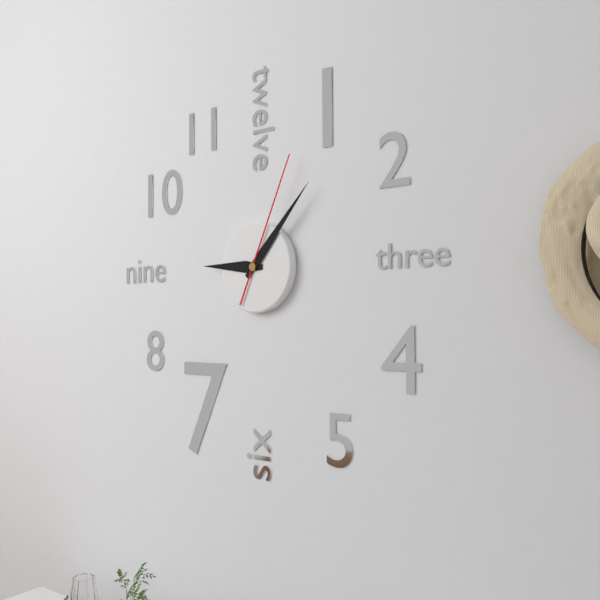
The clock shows 9h07m04s
